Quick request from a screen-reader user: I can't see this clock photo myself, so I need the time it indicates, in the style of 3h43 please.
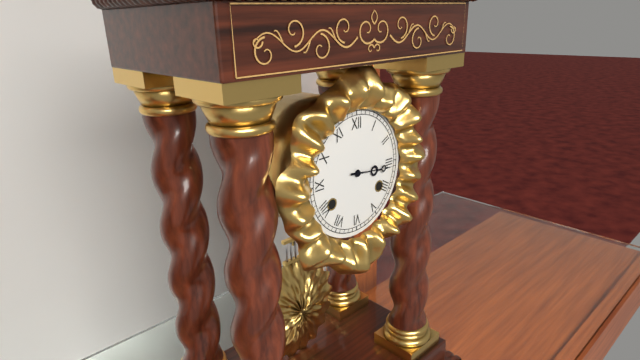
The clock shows 3h16
